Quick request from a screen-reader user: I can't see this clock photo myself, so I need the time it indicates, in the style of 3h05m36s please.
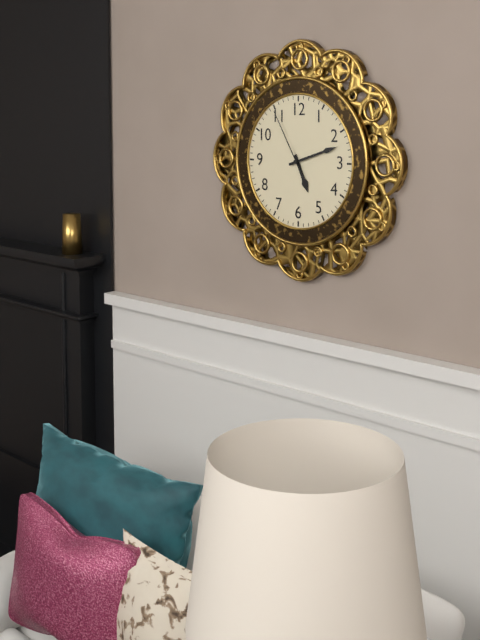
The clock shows 5h12m55s
